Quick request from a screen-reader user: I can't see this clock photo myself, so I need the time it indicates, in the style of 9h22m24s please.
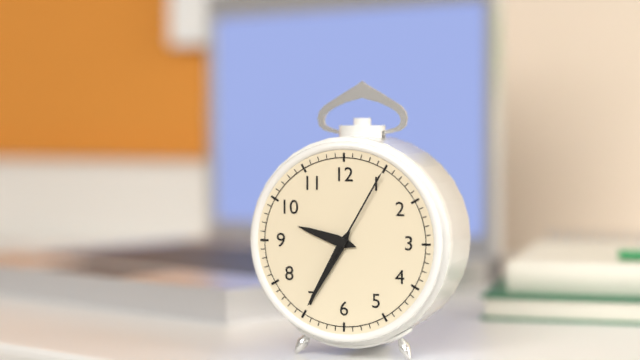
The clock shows 9h35m05s
